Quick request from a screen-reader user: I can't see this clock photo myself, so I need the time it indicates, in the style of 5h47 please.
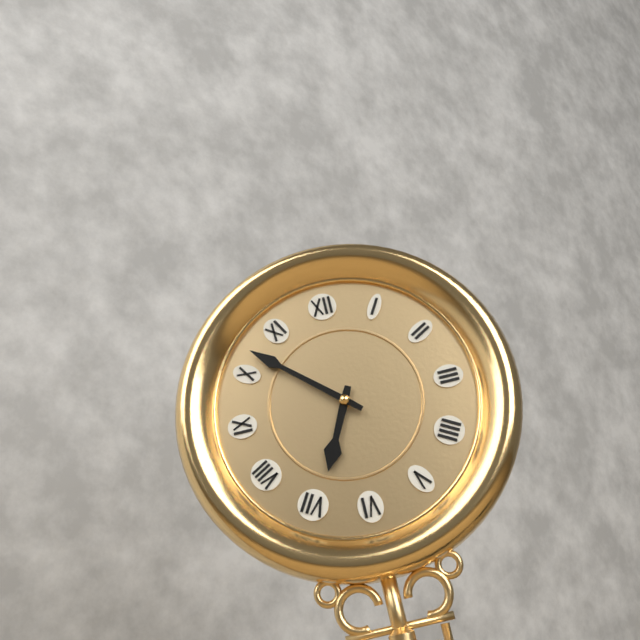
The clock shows 6h52
